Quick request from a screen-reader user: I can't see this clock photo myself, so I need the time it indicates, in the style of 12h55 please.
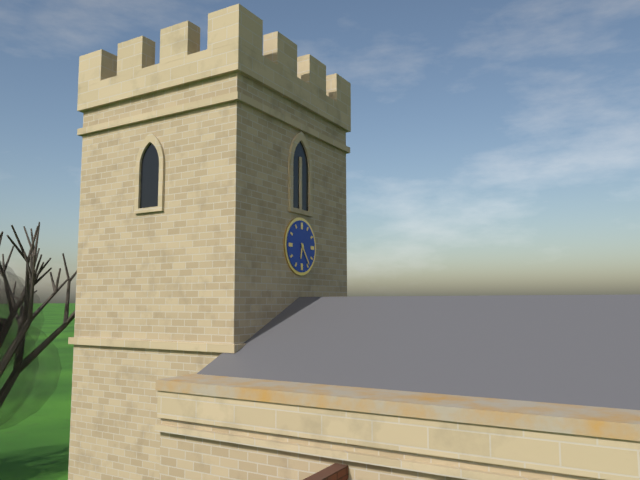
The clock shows 6h24
